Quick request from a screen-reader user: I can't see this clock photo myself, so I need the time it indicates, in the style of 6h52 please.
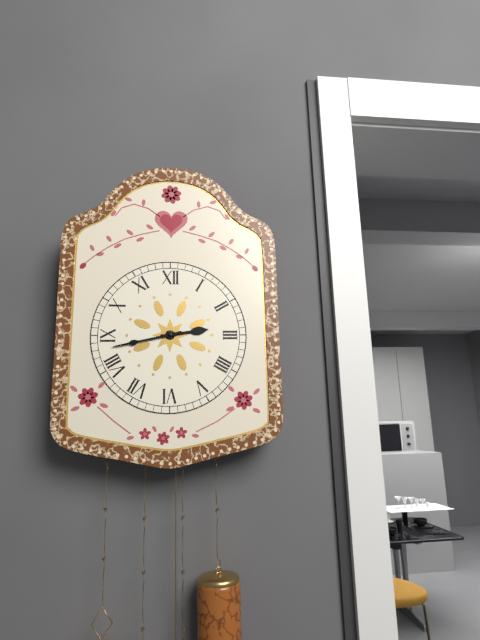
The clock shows 2h43
